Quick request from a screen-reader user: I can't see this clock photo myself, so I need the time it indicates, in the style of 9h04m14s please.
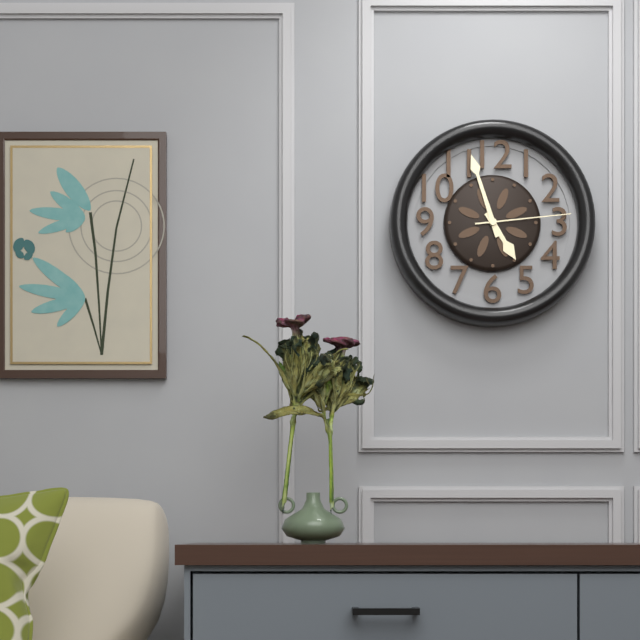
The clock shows 4h57m14s
